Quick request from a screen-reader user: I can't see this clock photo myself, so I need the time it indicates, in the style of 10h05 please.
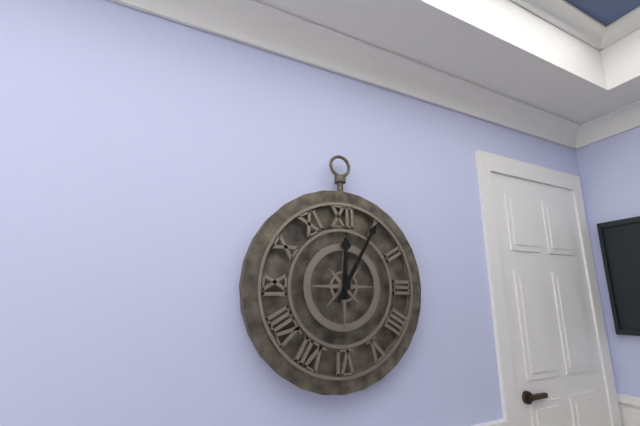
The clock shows 12h05
